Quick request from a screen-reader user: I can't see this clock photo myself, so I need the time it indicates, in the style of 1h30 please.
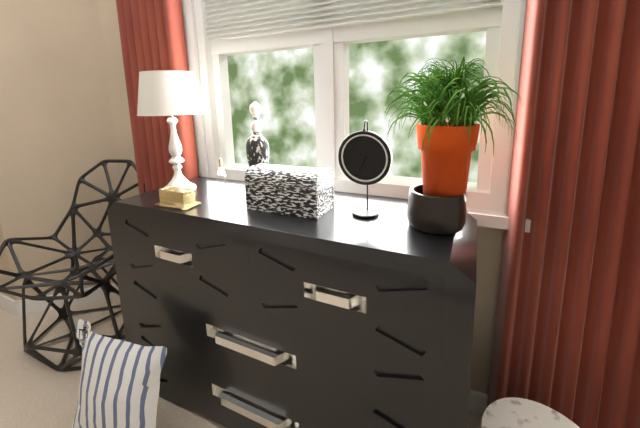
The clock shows 9h34
